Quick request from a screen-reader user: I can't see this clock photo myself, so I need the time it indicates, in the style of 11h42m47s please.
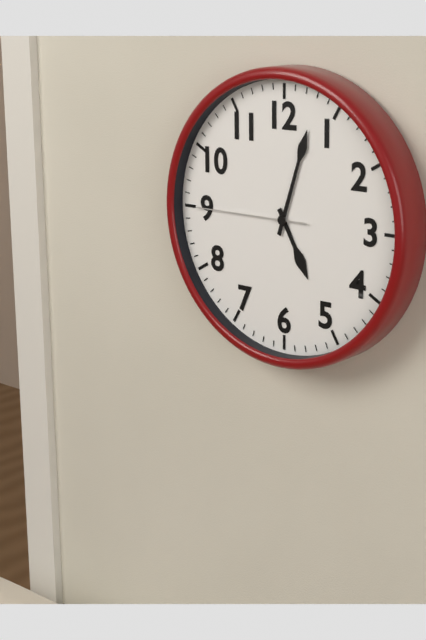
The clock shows 5h03m45s
